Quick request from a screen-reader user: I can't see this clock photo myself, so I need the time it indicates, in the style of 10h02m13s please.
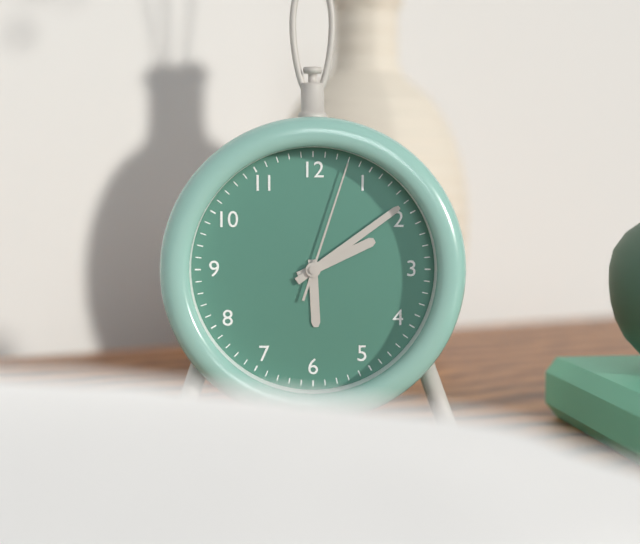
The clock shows 2h09m03s
